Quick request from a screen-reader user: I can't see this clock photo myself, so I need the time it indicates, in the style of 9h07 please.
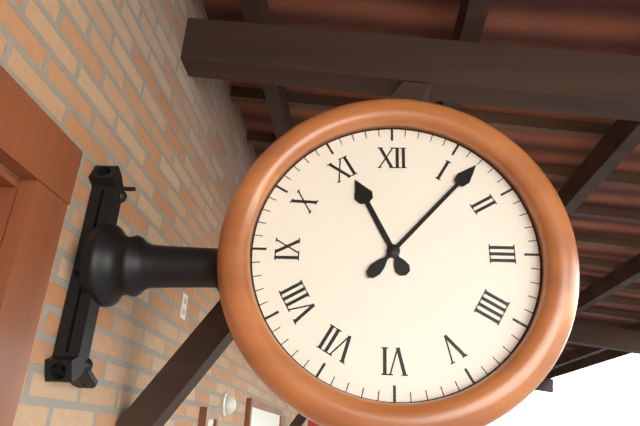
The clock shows 11h07
